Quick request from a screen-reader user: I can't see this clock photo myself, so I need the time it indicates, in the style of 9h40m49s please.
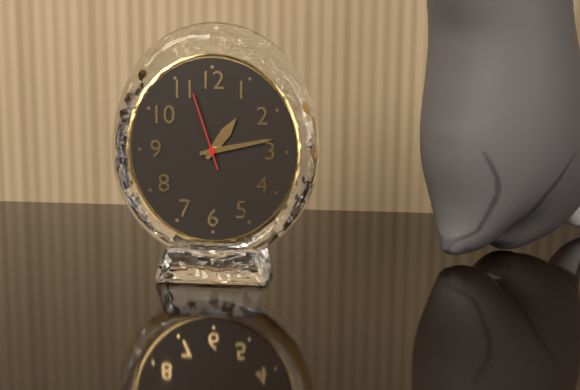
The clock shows 1h13m57s
